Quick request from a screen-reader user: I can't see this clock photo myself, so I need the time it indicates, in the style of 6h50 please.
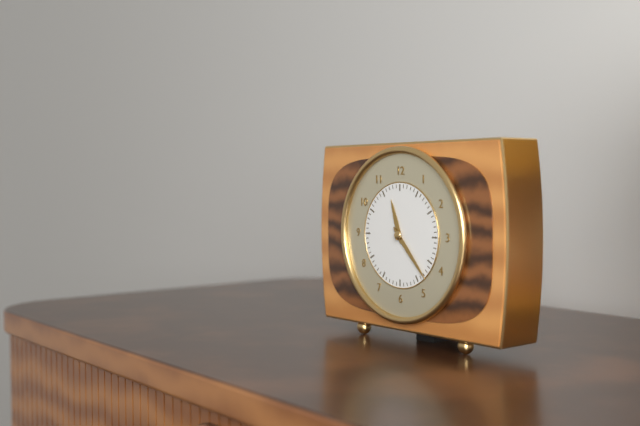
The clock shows 11h23
